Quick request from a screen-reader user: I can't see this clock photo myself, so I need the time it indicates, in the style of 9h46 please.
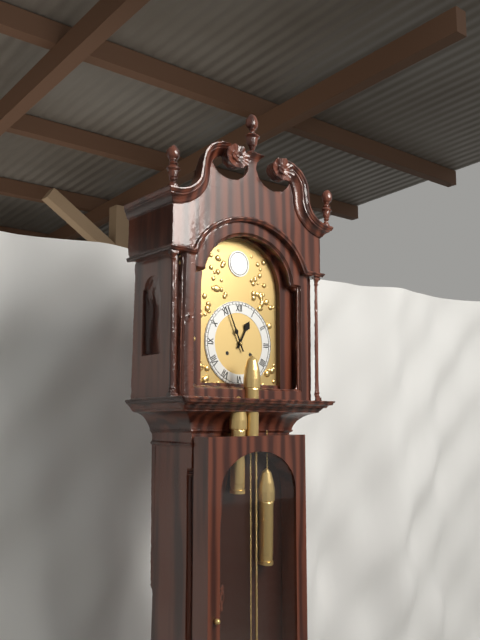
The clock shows 12h56
